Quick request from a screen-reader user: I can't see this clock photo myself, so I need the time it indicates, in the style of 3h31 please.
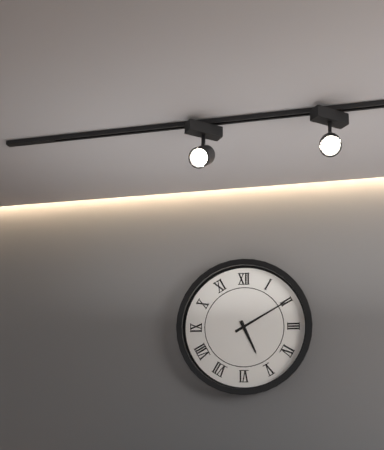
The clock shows 5h10
